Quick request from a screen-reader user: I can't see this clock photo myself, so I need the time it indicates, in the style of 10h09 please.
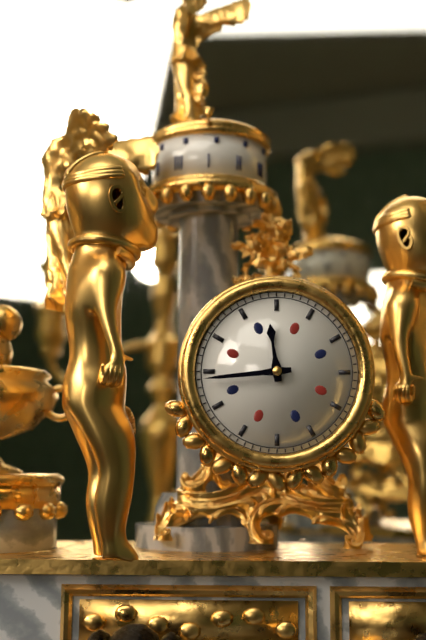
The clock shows 11h44
